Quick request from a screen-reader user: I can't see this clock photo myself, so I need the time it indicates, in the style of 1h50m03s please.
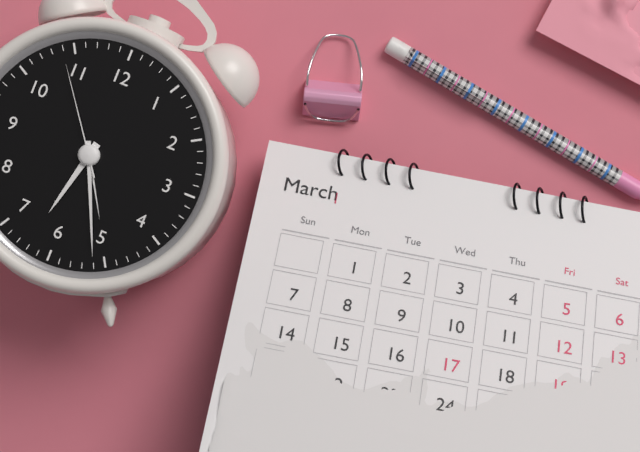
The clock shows 6h26m54s
